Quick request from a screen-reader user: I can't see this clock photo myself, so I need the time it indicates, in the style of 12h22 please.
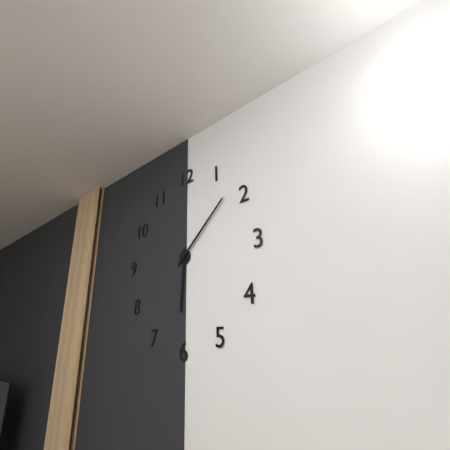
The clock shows 6h08
